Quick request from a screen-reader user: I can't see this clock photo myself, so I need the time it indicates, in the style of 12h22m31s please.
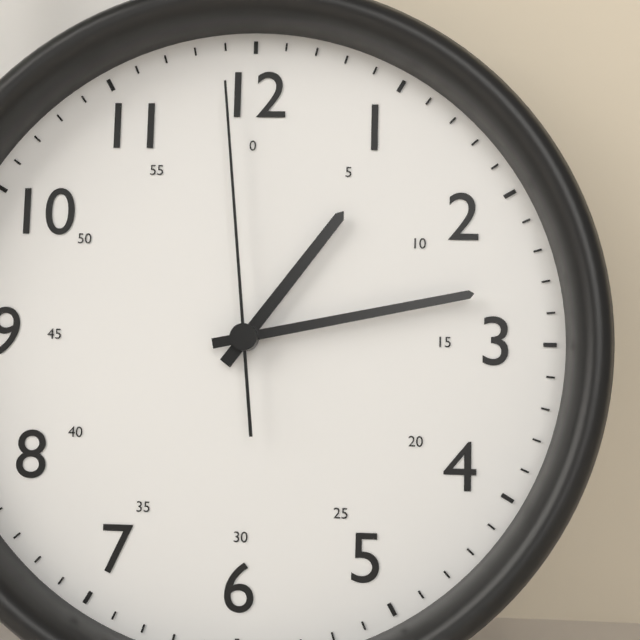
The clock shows 1h13m59s
